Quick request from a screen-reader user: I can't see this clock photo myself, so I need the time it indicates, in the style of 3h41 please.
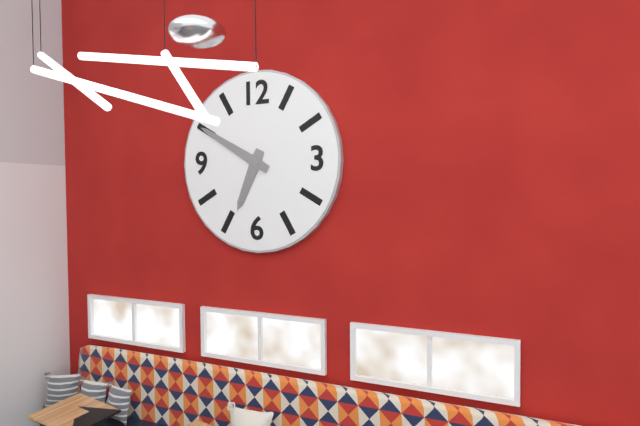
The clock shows 6h50
